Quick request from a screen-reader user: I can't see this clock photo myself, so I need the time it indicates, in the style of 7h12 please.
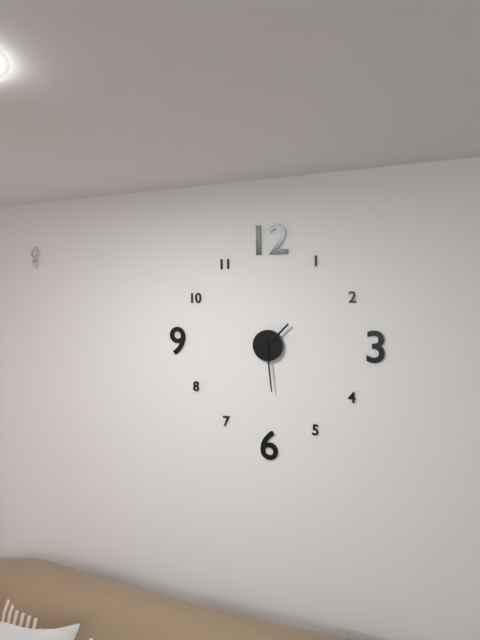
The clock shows 1h29
